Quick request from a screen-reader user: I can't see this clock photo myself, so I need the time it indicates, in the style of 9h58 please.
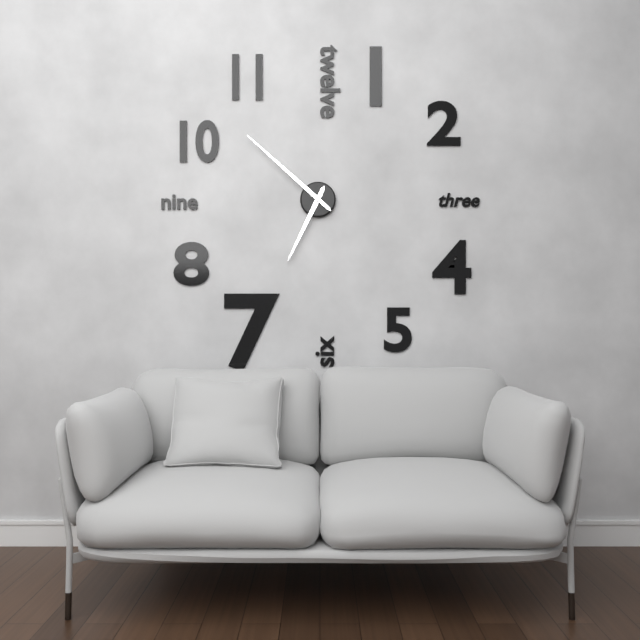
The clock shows 6h52
